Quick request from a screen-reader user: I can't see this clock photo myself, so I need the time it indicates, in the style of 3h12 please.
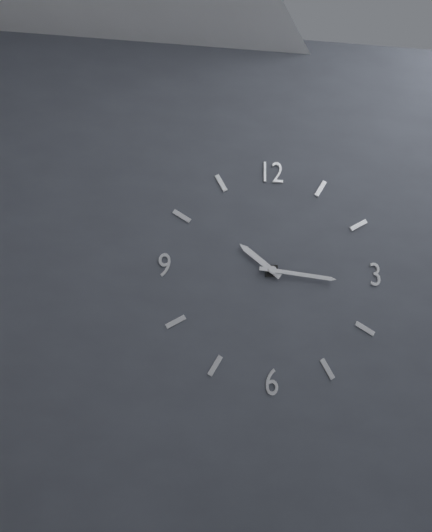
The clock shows 10h16
